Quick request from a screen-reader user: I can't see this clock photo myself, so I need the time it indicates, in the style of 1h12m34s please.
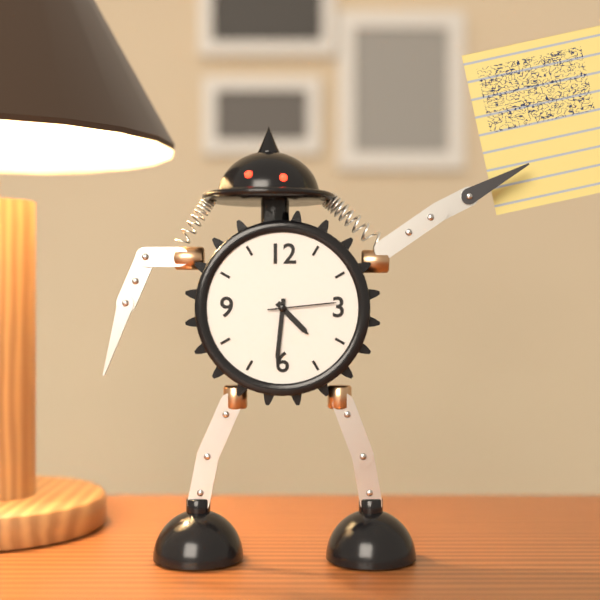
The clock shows 4h31m14s
